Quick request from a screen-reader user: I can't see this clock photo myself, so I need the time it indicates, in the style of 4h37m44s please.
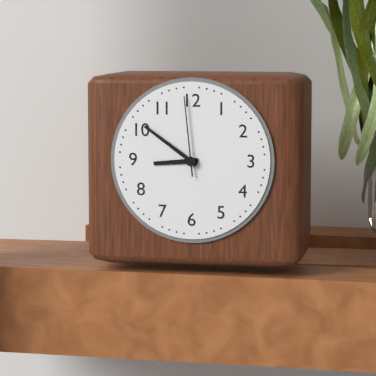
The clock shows 8h51m59s
